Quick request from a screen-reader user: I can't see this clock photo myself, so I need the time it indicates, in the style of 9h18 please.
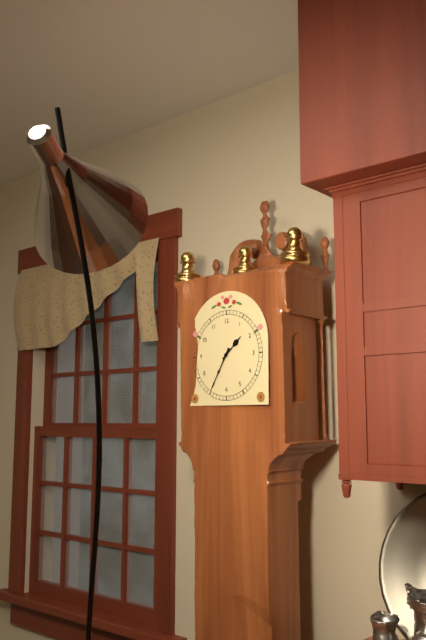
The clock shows 1h35
